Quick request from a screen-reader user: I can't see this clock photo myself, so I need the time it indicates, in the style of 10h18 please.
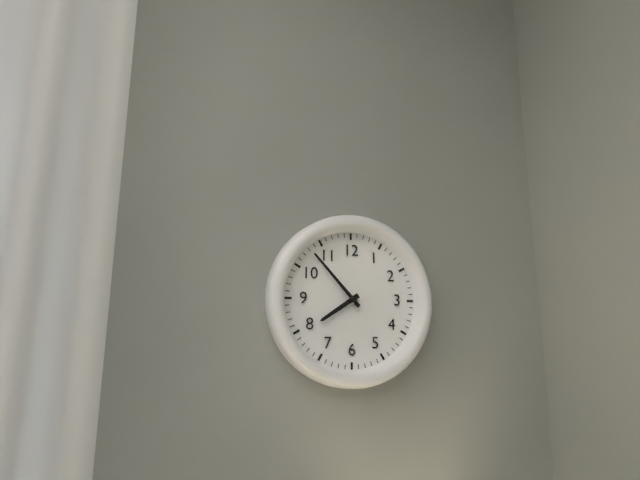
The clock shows 7h53
